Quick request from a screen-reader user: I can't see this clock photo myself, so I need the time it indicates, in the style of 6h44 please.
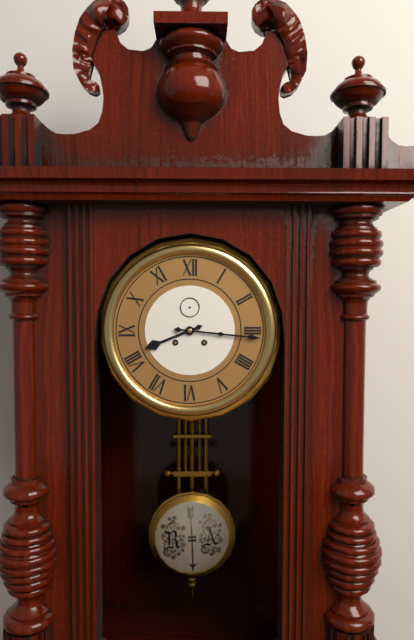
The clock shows 8h16
